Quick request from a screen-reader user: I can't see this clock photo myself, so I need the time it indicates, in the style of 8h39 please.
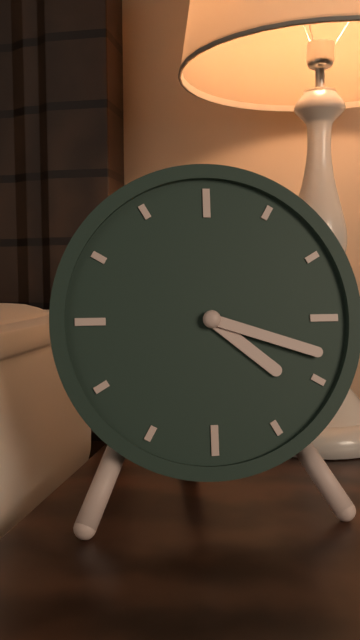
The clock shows 4h18
